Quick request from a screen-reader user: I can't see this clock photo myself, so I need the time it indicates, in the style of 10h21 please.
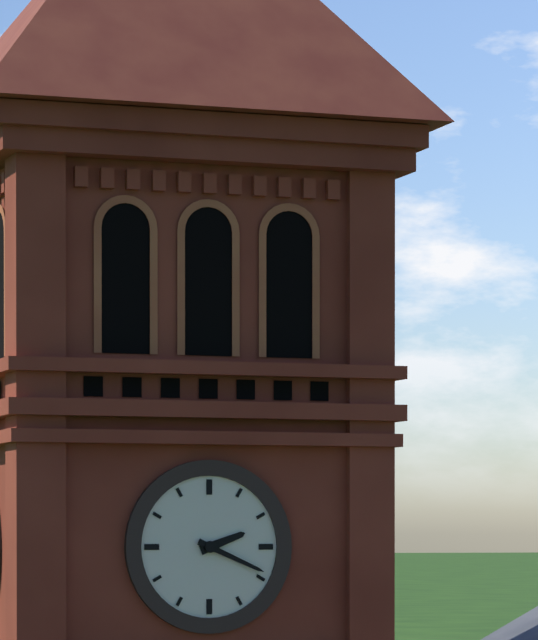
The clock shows 2h19
